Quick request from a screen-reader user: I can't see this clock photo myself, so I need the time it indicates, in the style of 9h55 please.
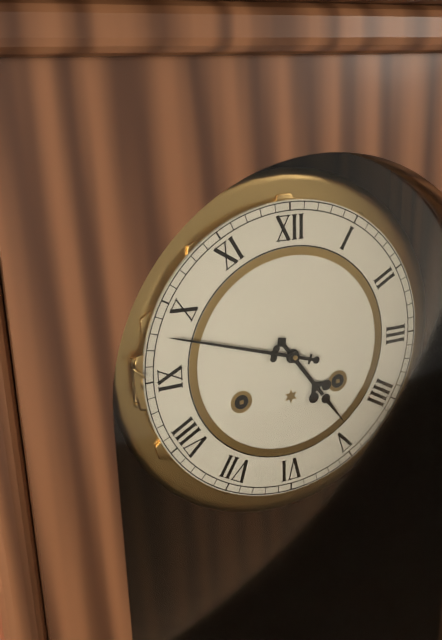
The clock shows 4h48
